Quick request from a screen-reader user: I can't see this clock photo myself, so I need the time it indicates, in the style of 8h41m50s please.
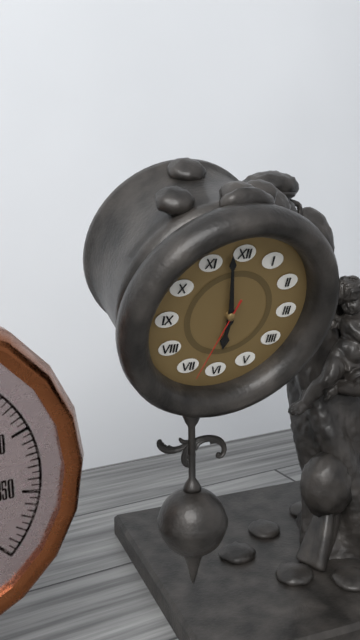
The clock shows 5h58m33s
